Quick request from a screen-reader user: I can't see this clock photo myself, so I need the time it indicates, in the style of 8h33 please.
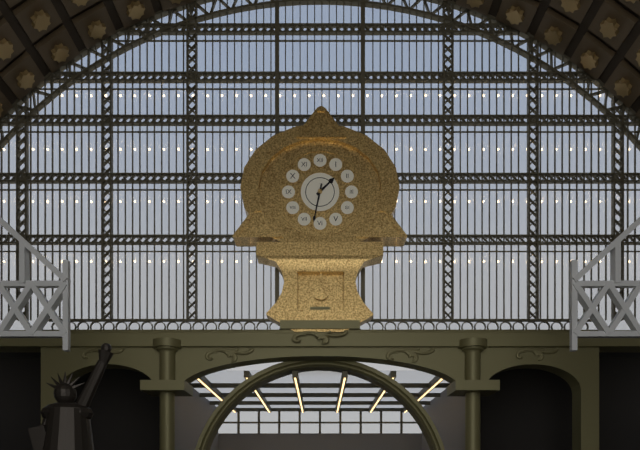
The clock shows 1h32
